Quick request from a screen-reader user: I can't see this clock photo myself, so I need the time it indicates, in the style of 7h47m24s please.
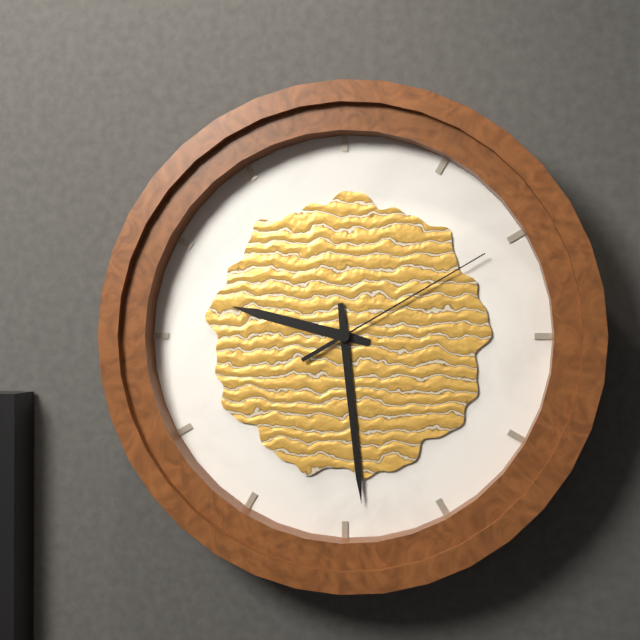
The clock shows 9h29m10s
